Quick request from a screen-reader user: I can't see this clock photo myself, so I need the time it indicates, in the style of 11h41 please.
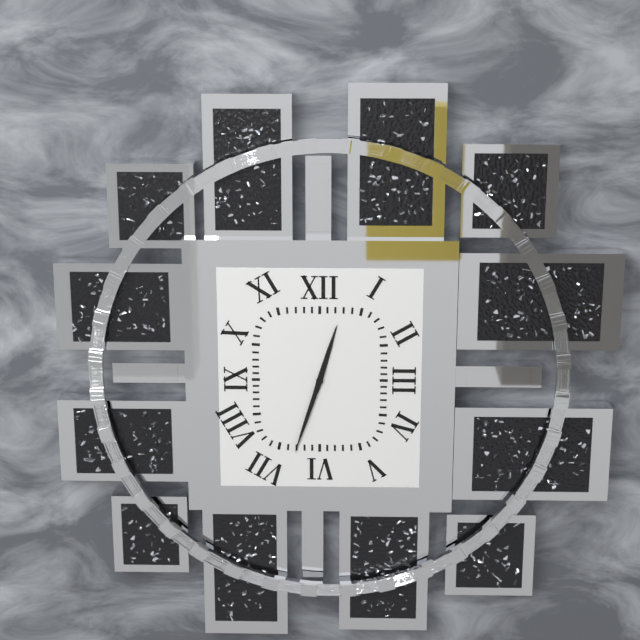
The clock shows 12h33
